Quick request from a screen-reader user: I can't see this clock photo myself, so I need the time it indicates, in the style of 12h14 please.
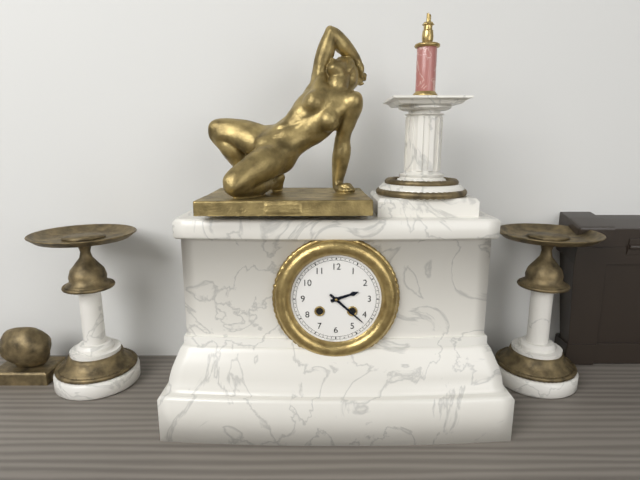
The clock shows 2h22
